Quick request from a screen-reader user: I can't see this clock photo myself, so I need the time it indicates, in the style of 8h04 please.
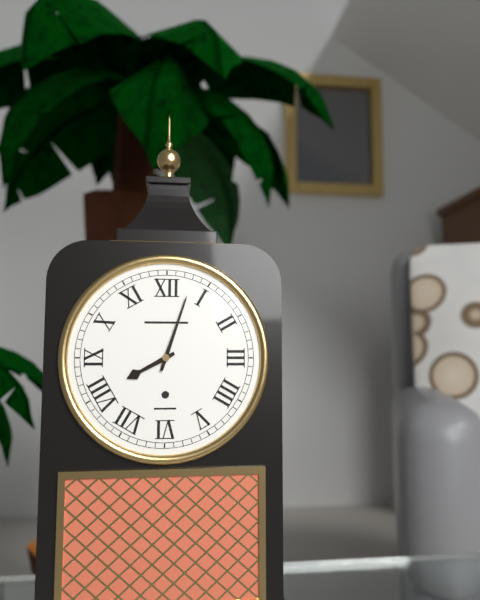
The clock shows 8h03
